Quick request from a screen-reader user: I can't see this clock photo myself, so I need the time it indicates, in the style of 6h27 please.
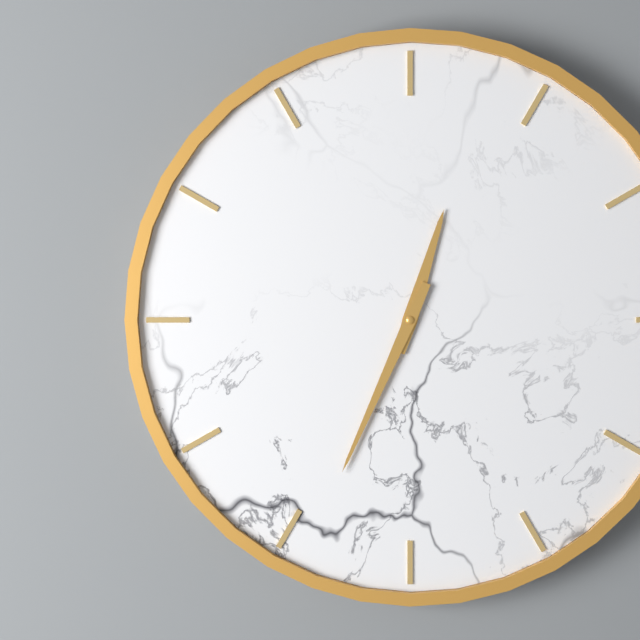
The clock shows 12h34
